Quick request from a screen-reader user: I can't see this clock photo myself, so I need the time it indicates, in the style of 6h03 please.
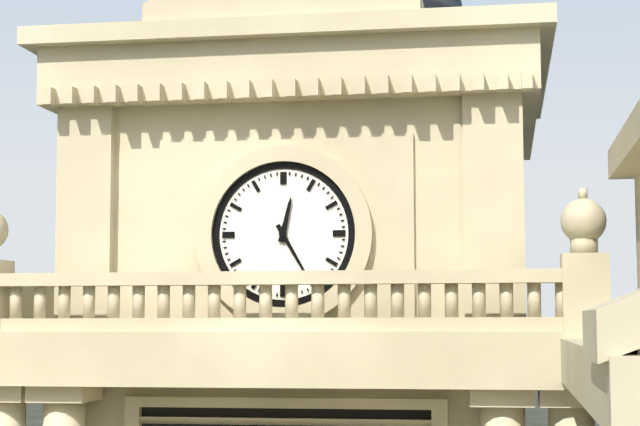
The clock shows 12h25
